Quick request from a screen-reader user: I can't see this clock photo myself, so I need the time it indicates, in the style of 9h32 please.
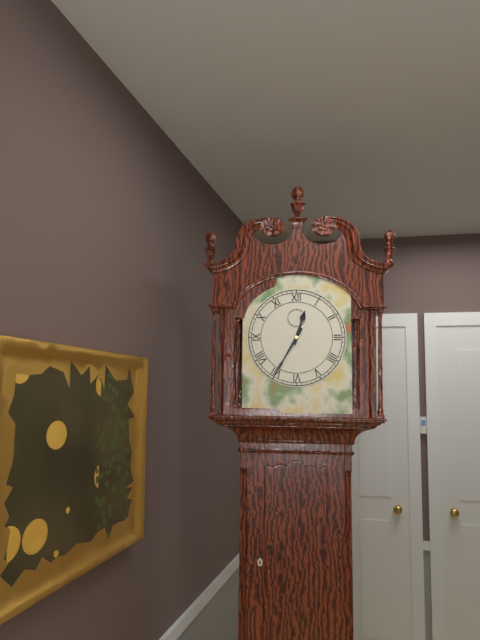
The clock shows 12h35
